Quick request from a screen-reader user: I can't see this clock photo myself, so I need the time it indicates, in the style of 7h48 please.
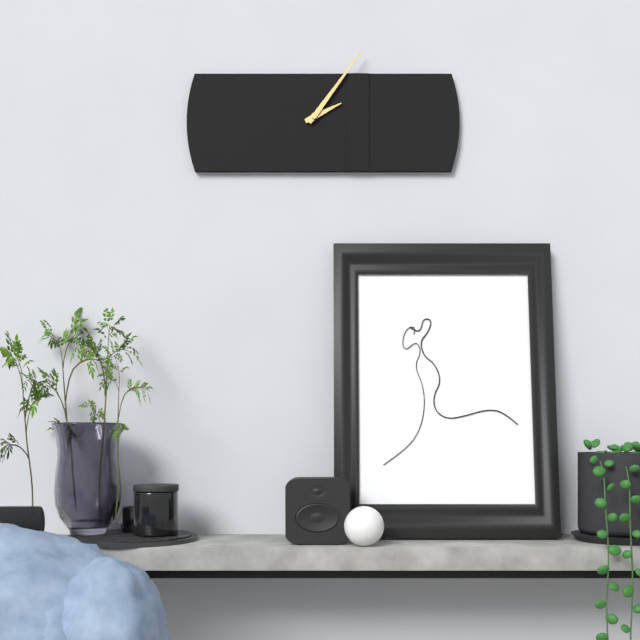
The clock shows 2h06
